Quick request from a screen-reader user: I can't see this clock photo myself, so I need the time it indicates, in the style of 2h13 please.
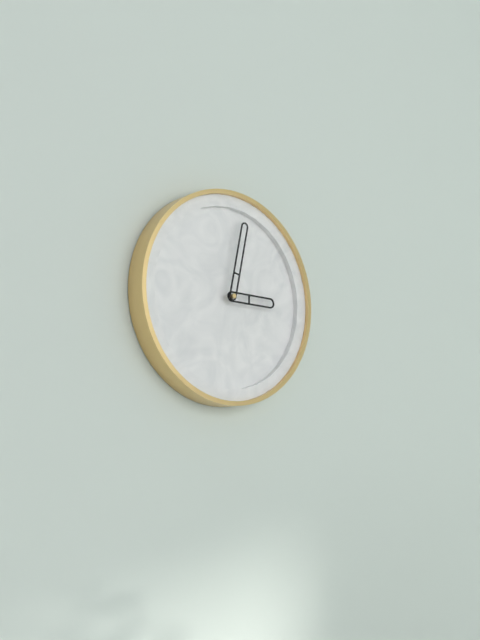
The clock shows 3h02
